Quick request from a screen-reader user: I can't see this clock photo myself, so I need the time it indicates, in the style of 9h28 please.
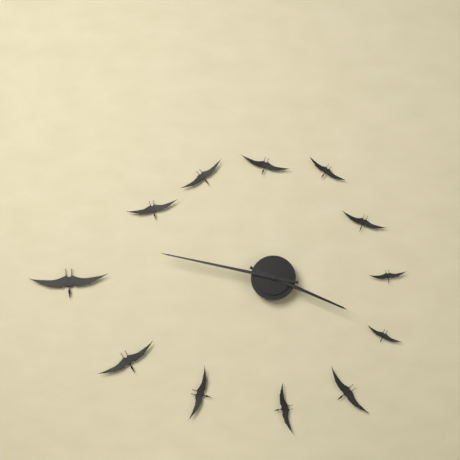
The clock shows 3h47
